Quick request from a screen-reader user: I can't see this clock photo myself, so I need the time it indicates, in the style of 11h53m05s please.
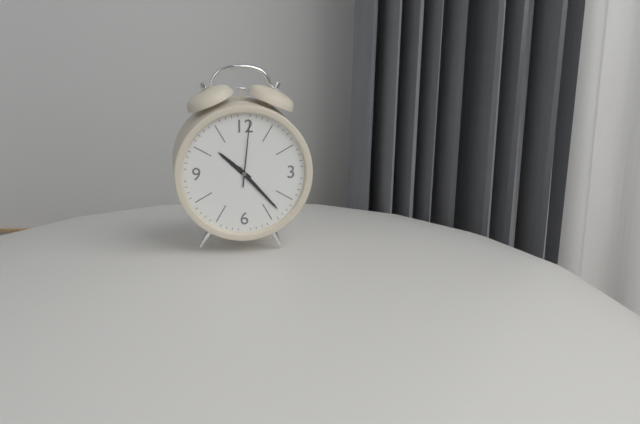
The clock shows 10h23m01s
